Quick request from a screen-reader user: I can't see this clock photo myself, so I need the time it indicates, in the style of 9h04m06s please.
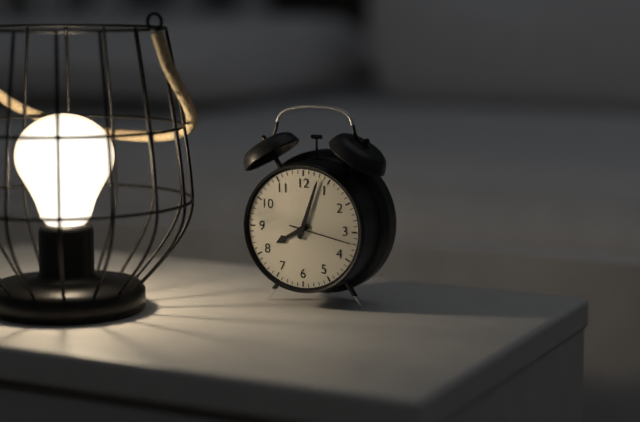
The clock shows 8h03m17s
